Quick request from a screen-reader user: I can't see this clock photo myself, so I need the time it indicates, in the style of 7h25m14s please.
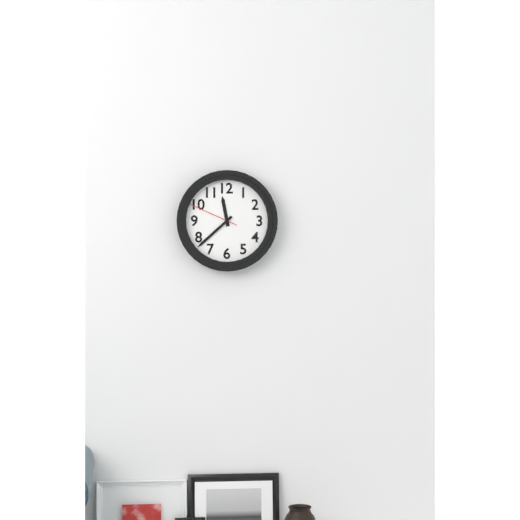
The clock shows 11h38m49s
